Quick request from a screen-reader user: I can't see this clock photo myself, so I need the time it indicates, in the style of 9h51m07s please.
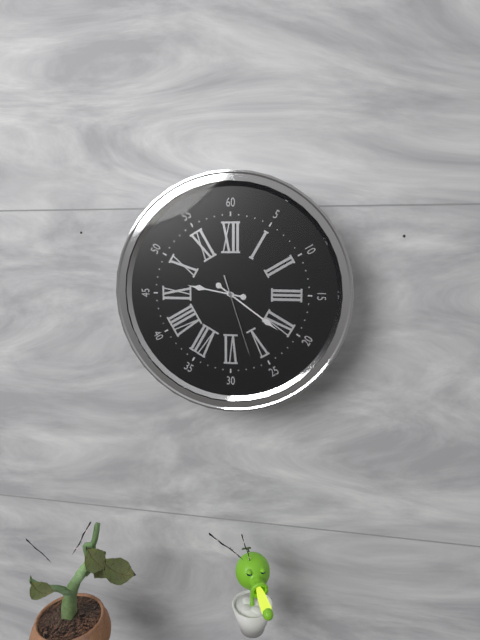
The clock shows 9h21m27s
